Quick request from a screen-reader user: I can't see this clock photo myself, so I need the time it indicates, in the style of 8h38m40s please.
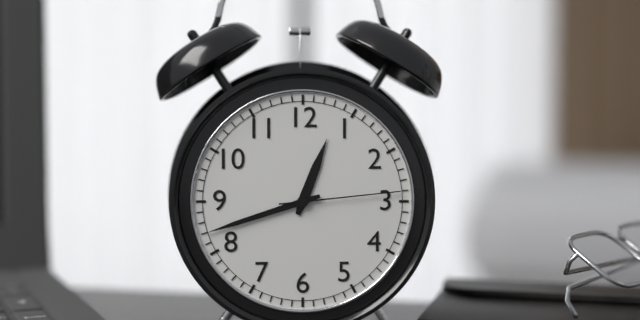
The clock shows 12h42m14s
